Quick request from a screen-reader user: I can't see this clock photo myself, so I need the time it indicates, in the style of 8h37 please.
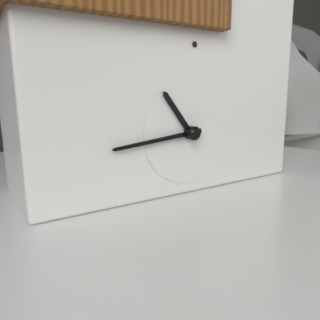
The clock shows 10h44
